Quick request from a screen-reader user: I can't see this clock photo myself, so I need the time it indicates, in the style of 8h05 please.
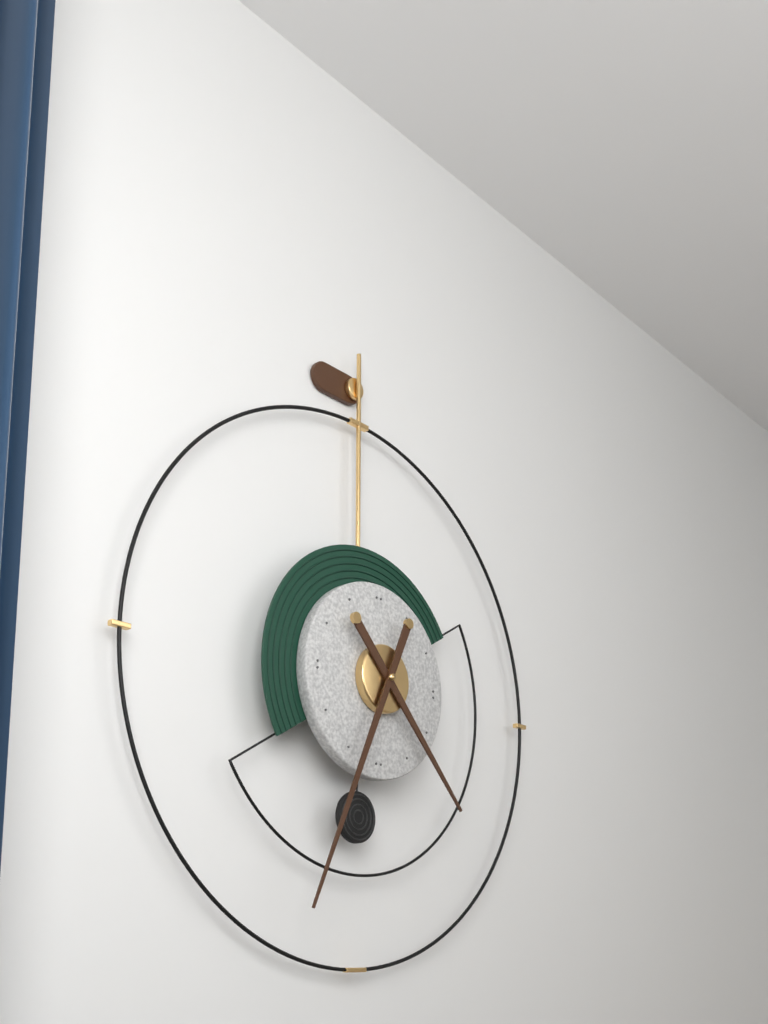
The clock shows 4h34
